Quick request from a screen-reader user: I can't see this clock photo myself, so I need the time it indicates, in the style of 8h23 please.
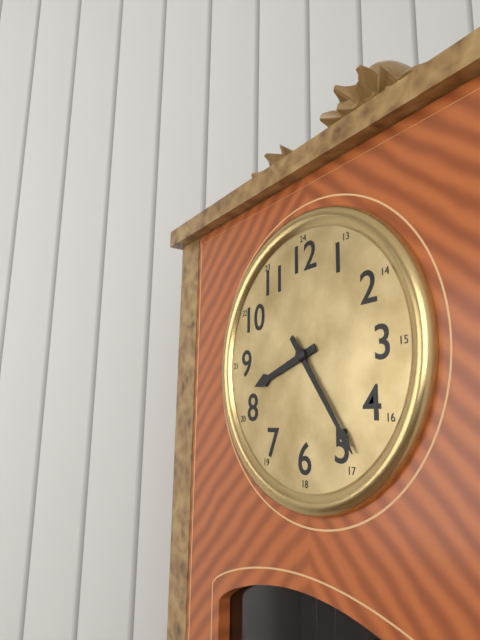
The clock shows 8h24
